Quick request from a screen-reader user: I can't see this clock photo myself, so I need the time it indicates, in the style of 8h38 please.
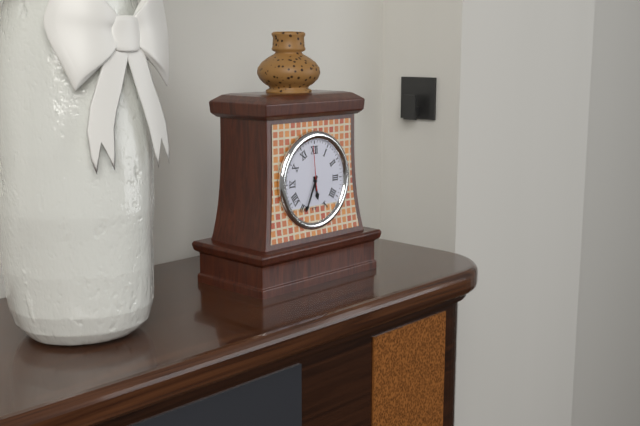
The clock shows 5h34
